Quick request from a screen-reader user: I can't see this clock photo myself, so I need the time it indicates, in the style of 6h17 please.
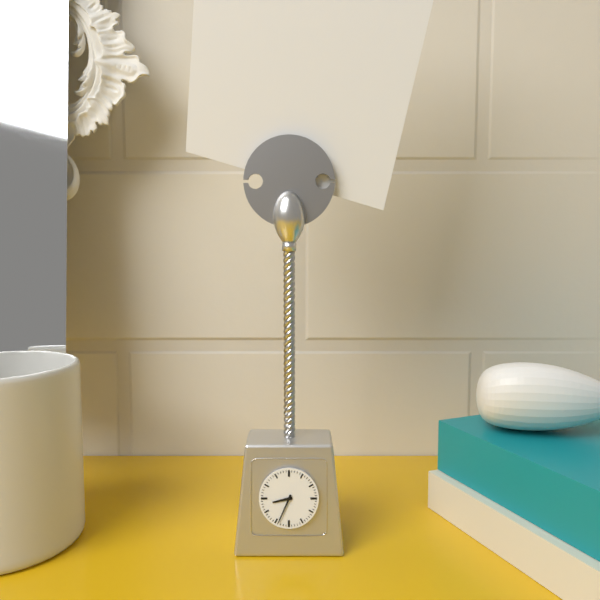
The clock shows 8h34
